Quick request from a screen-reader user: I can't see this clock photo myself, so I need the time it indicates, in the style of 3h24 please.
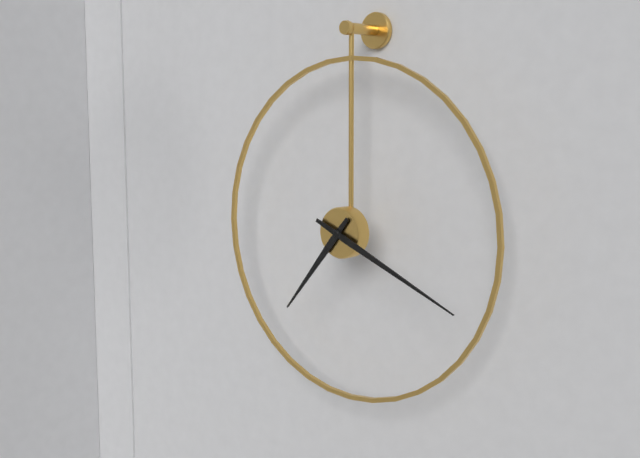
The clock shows 7h19
